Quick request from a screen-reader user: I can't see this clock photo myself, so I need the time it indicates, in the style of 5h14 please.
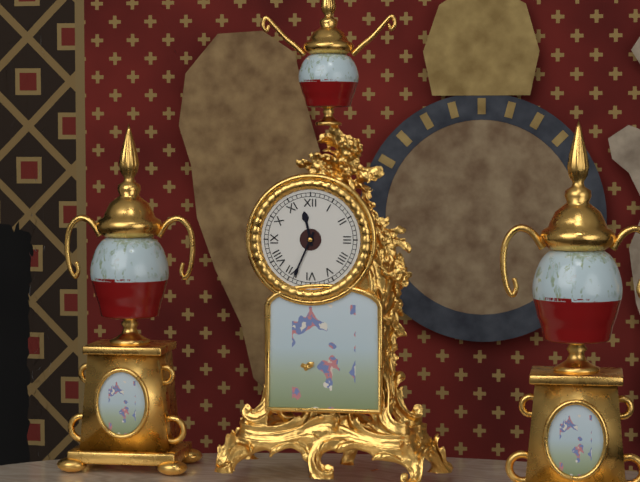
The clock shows 11h34
